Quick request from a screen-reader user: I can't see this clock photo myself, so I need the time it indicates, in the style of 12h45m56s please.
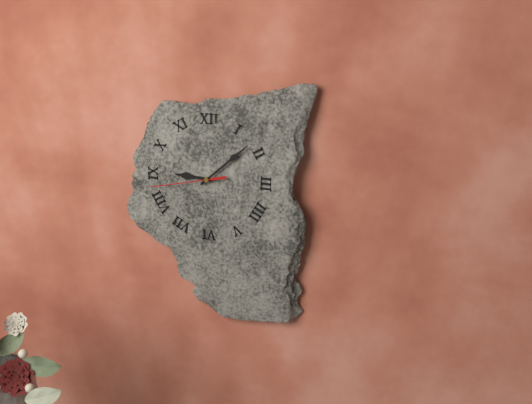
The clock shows 9h08m43s
